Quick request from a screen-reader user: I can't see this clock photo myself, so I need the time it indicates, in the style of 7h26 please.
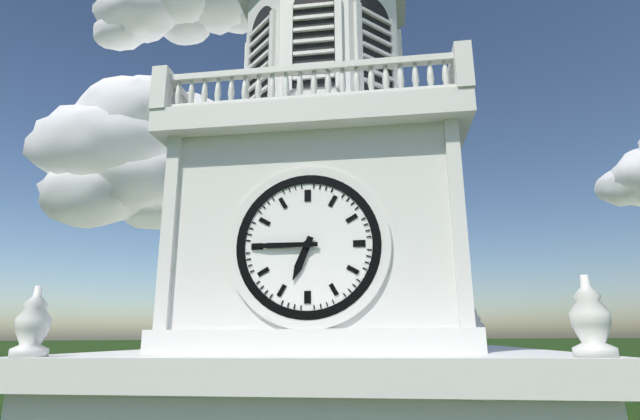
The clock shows 6h45
